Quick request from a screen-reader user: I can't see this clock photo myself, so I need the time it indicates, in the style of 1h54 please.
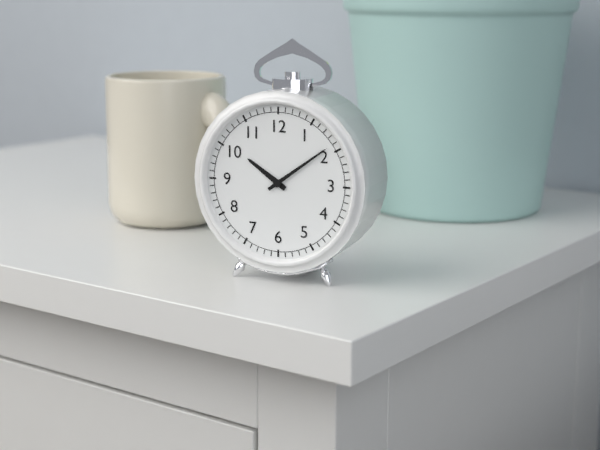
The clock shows 10h09
